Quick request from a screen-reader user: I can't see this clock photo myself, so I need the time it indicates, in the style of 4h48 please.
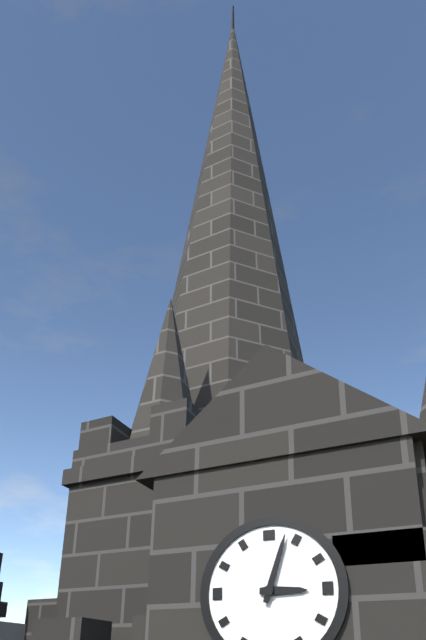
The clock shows 3h03
